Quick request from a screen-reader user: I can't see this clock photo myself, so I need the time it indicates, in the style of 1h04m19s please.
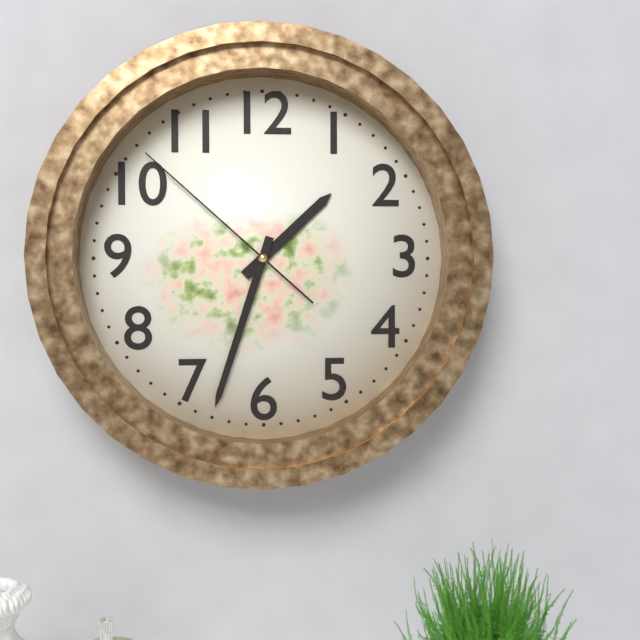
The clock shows 1h33m52s
